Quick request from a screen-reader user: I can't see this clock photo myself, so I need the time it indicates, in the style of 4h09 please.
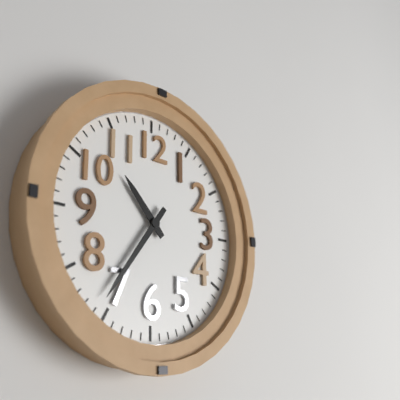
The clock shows 10h36
